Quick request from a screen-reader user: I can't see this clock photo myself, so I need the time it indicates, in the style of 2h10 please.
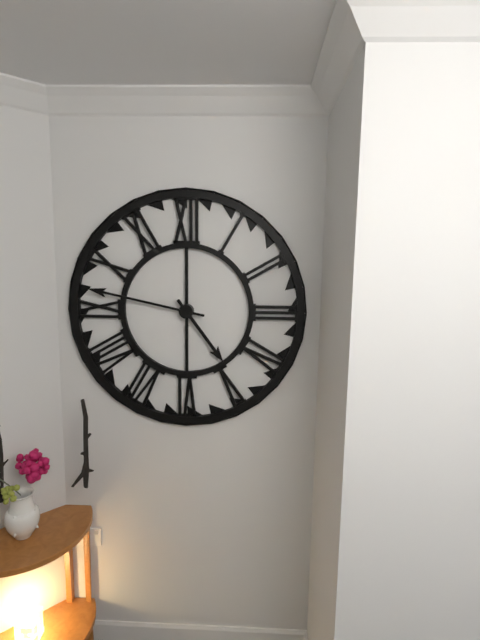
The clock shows 4h47
